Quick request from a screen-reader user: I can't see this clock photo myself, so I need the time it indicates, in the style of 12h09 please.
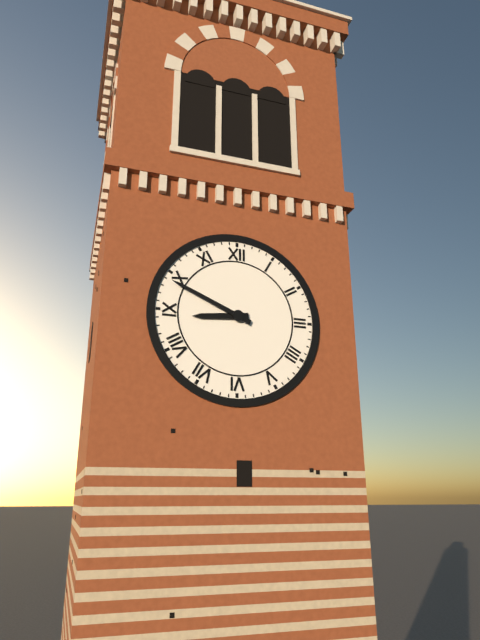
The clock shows 8h49
